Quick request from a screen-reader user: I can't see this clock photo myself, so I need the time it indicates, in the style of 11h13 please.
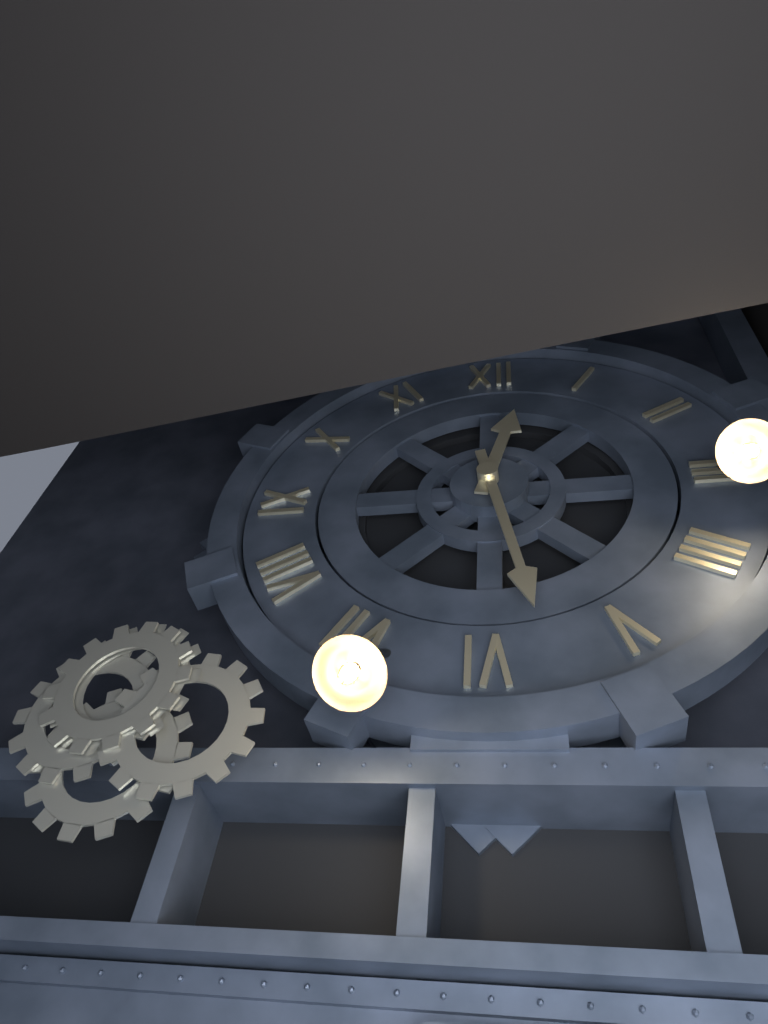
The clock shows 12h28
